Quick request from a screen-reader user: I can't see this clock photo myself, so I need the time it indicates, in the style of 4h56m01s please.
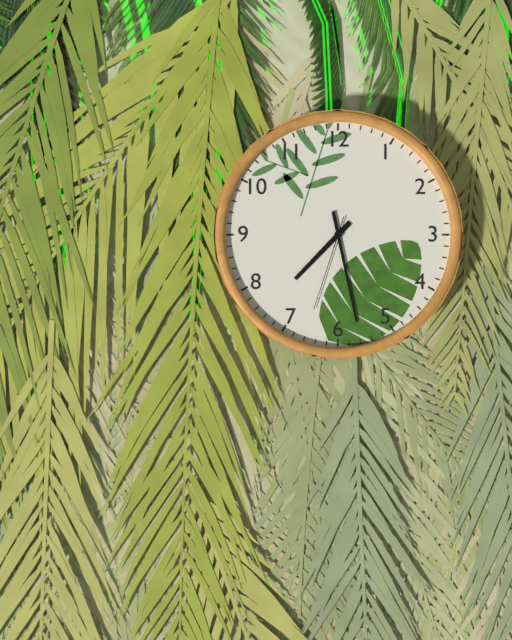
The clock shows 7h28m33s
